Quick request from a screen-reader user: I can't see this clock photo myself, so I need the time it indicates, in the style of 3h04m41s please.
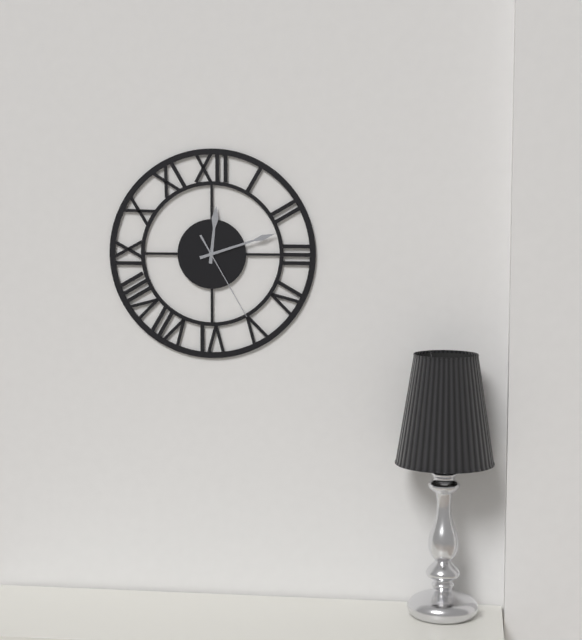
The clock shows 12h12m25s
